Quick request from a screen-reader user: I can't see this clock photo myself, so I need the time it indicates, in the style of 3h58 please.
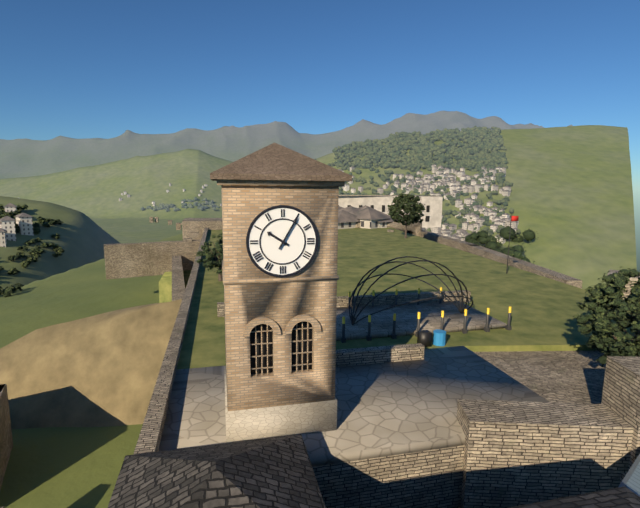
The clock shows 10h05
